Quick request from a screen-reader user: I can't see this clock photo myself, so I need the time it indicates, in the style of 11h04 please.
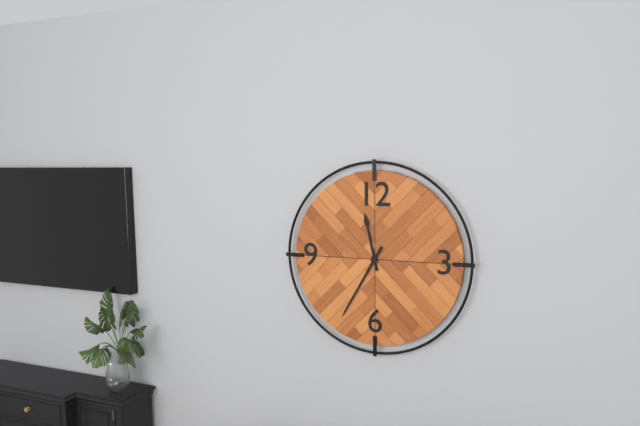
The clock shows 11h35
